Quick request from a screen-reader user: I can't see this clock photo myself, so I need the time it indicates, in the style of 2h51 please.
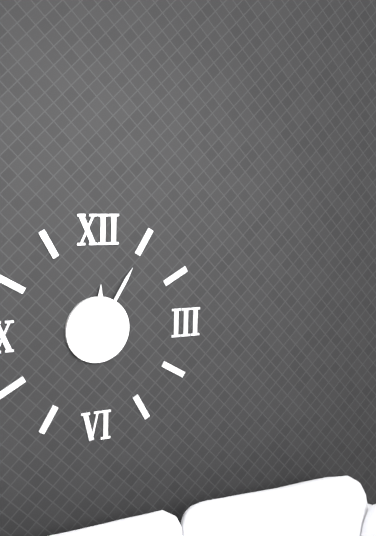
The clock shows 12h05
